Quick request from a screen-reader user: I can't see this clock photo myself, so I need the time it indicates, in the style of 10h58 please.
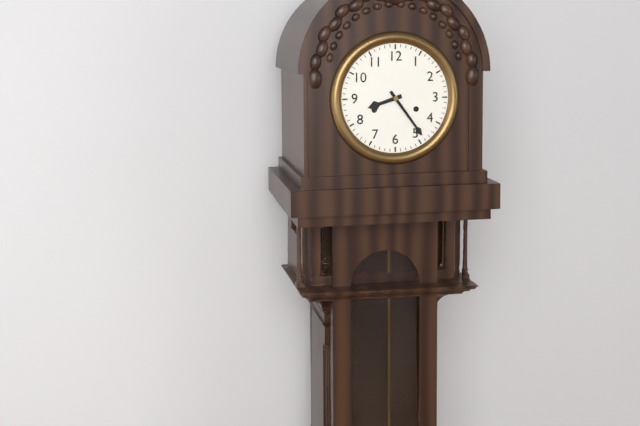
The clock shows 8h24
